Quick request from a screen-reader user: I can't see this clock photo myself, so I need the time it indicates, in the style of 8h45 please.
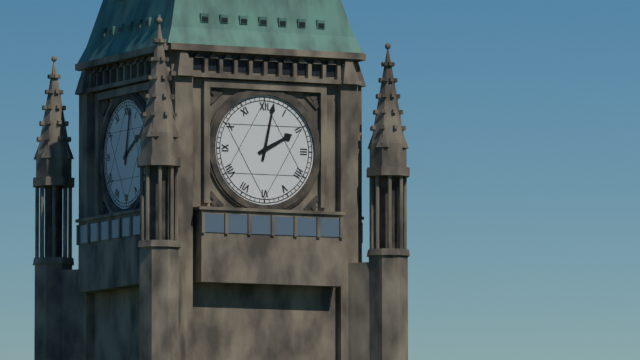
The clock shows 2h02
